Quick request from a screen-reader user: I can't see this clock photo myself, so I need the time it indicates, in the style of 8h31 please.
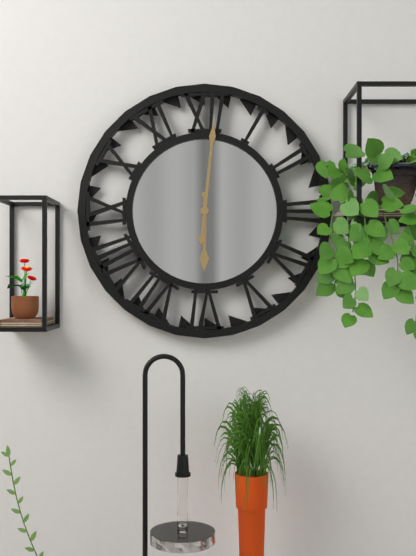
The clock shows 6h01
